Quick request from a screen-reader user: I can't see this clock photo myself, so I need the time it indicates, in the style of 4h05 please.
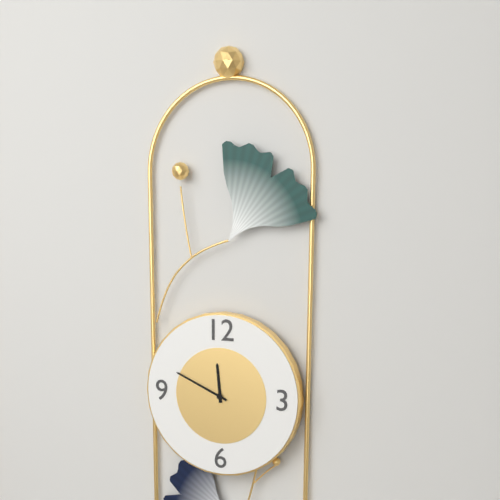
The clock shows 11h49
